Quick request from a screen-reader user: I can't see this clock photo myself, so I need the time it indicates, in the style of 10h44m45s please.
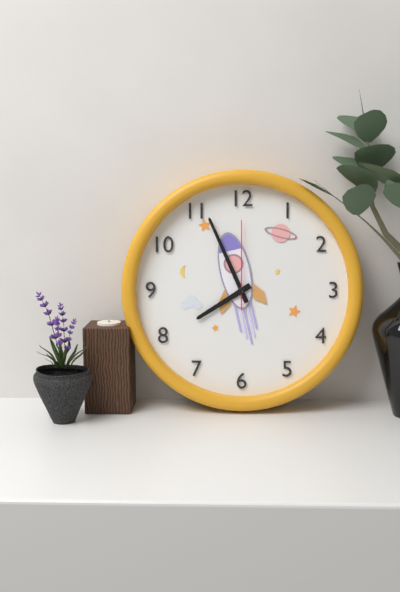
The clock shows 7h56m00s
